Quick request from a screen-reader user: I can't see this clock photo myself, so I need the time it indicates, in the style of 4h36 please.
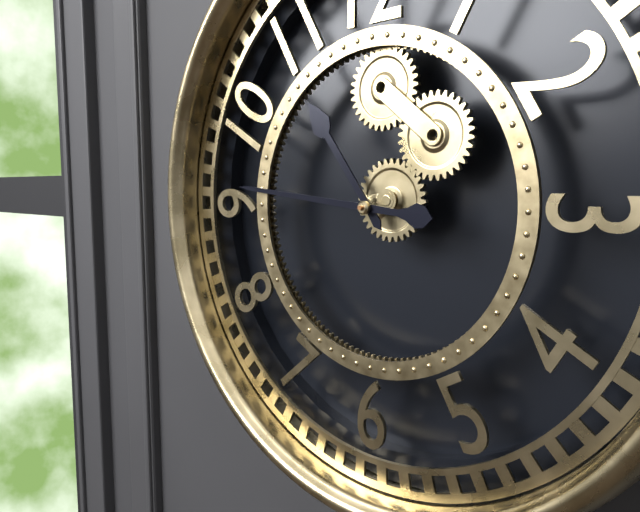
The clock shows 10h46
